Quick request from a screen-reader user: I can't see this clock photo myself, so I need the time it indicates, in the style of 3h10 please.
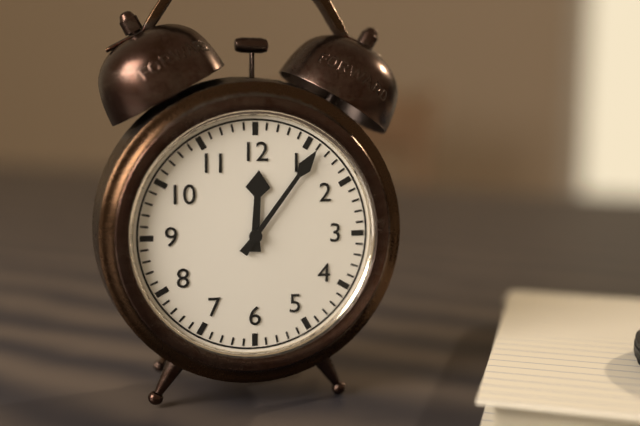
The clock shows 12h06
